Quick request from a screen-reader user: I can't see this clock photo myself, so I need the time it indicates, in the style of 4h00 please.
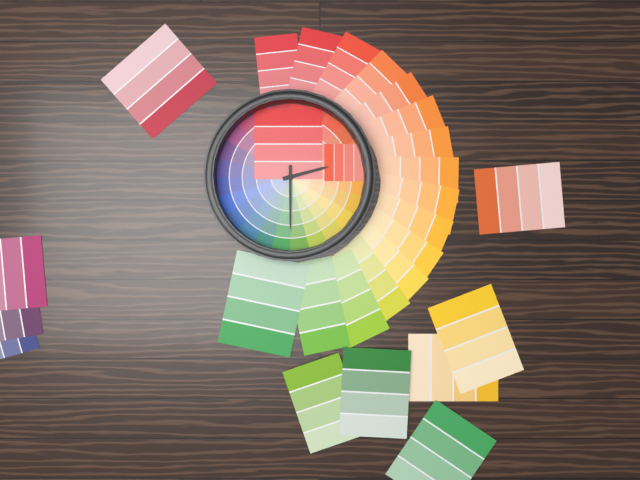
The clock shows 2h30
